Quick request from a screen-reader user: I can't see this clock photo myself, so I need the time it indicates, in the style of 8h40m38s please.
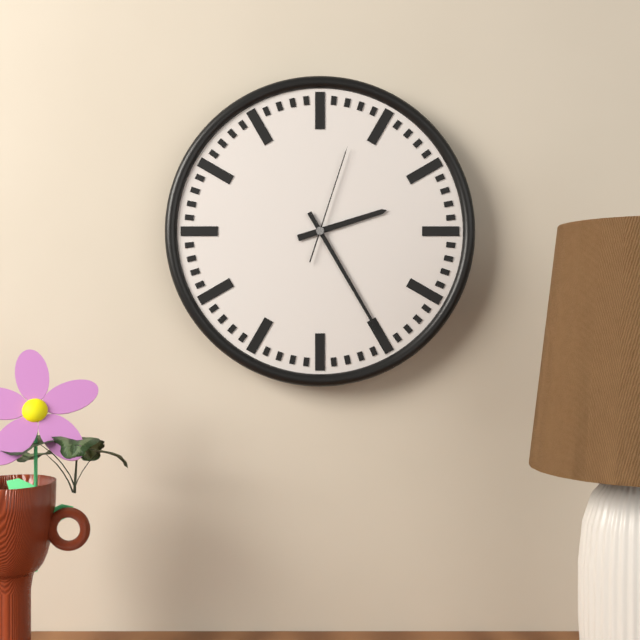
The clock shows 2h25m03s
